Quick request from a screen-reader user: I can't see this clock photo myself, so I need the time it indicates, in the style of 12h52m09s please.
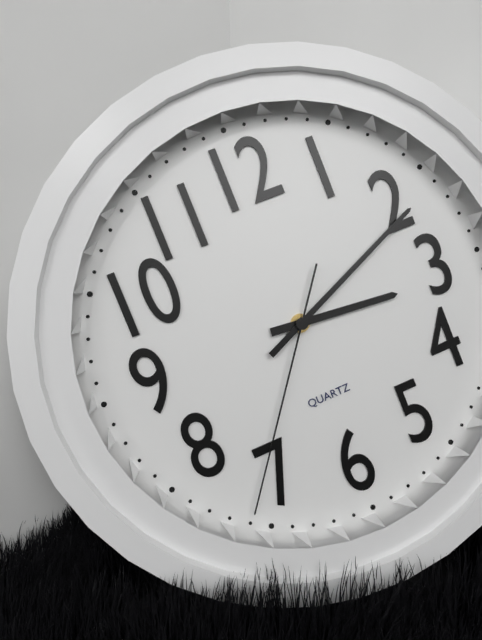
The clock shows 3h11m36s
